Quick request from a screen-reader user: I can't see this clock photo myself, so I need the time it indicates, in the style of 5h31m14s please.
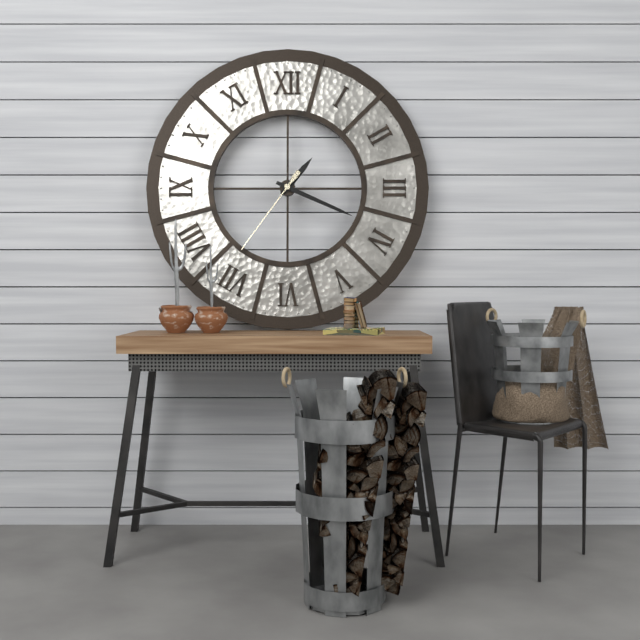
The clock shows 1h19m36s
